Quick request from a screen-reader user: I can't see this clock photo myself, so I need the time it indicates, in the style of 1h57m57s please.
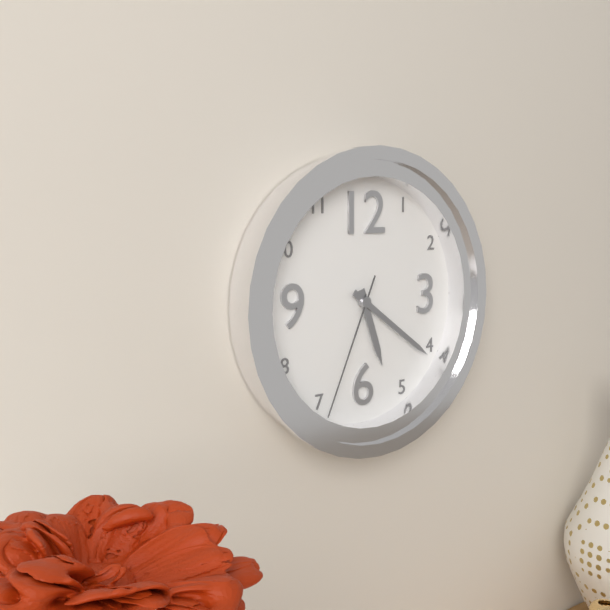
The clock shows 5h21m34s
